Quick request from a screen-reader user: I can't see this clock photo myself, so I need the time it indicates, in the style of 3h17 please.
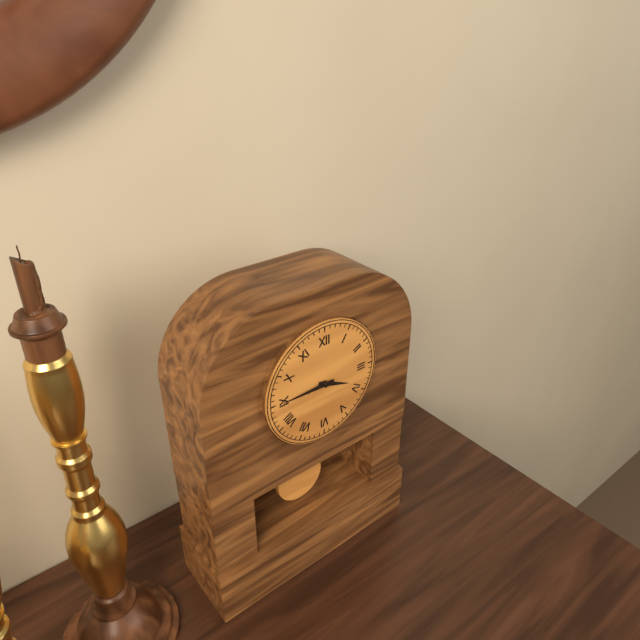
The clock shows 3h45
